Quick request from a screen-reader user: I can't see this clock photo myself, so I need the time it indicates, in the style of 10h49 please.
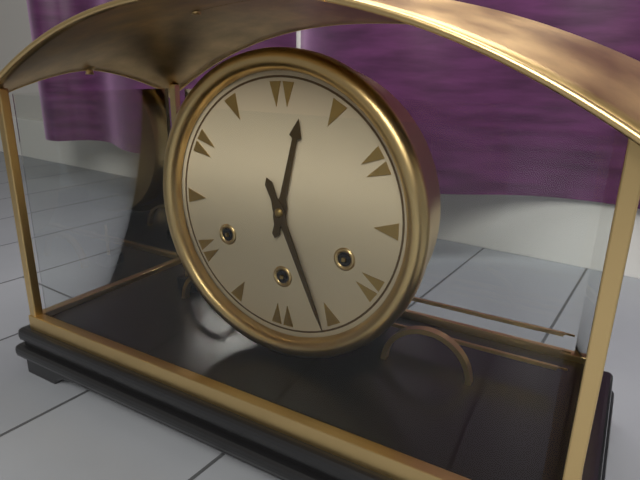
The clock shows 12h26
